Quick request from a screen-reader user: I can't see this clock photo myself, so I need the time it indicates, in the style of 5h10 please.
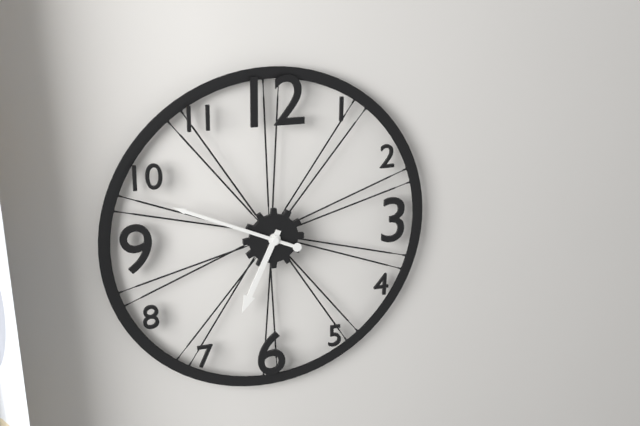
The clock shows 6h49
